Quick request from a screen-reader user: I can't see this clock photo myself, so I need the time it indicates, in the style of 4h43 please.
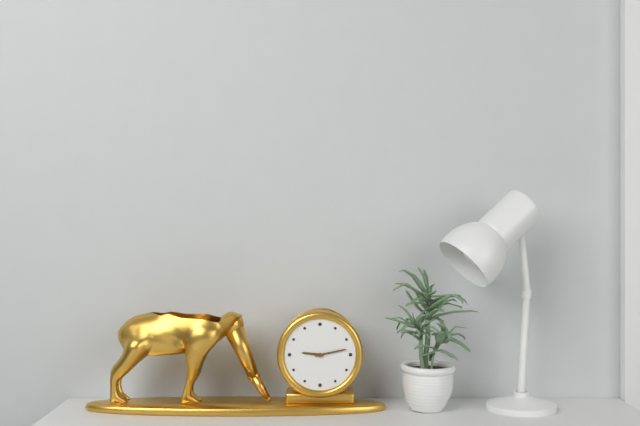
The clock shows 9h13
